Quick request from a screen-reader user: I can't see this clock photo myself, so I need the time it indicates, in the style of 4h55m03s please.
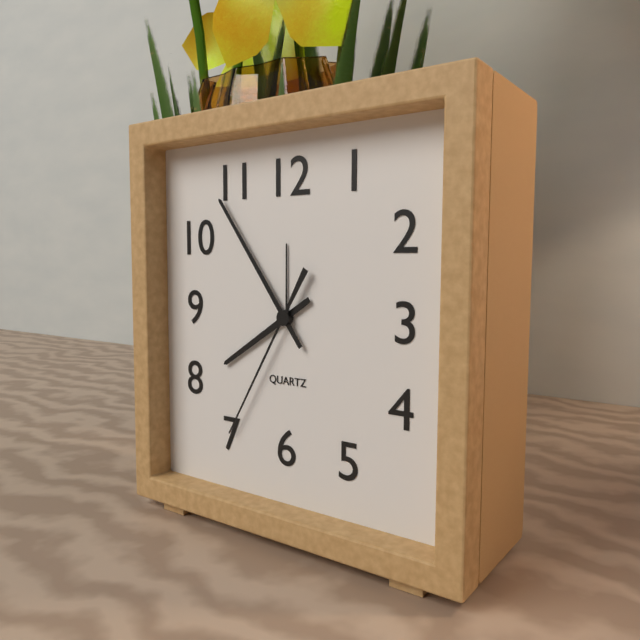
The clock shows 7h54m35s
